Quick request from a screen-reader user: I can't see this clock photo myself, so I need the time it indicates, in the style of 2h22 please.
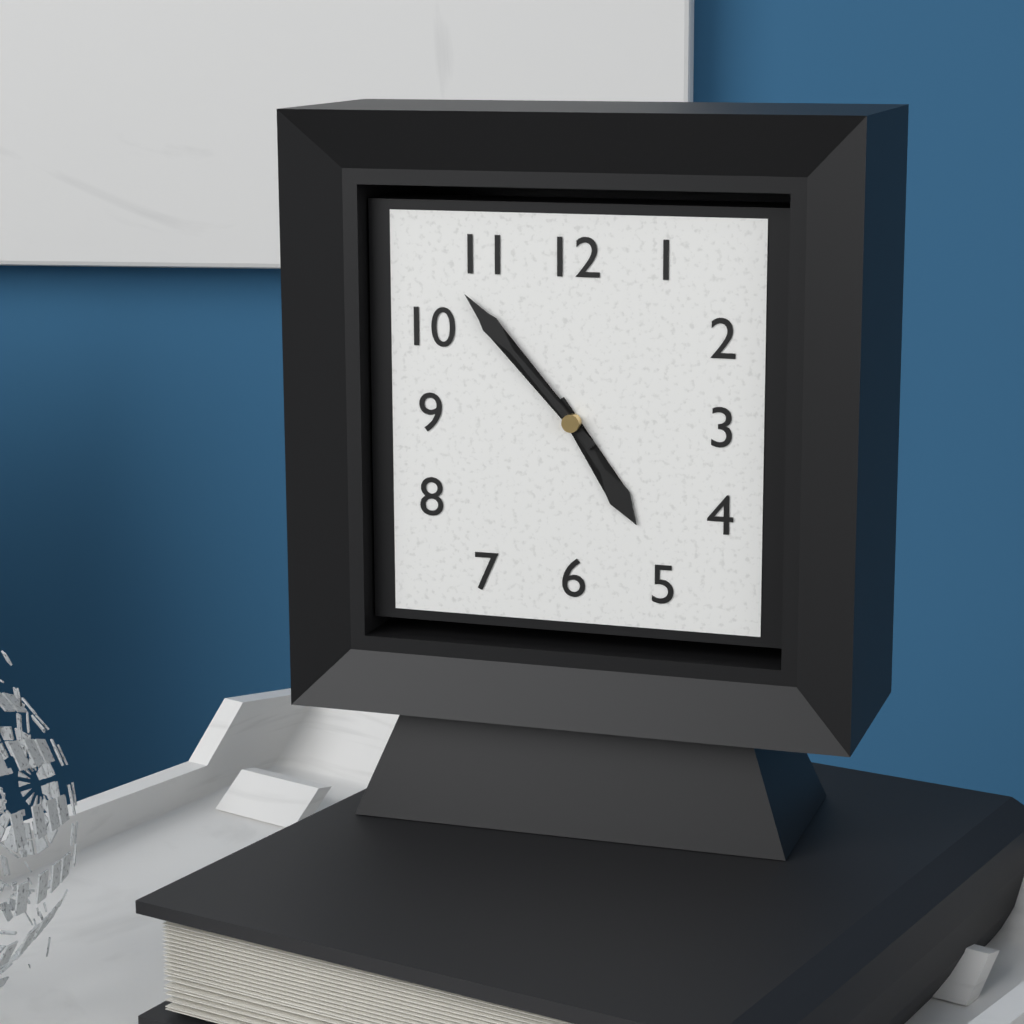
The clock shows 4h53
